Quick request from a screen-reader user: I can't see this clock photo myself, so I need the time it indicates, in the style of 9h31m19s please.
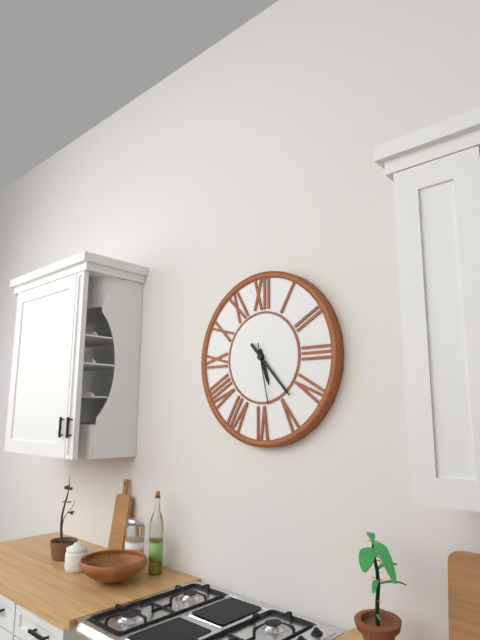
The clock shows 5h23m28s
